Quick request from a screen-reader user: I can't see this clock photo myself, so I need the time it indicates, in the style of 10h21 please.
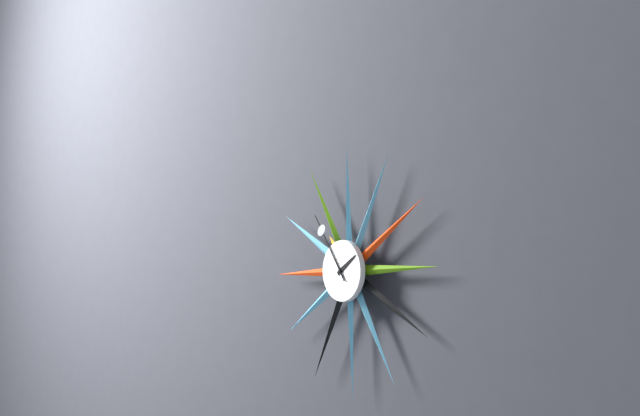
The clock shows 1h54
